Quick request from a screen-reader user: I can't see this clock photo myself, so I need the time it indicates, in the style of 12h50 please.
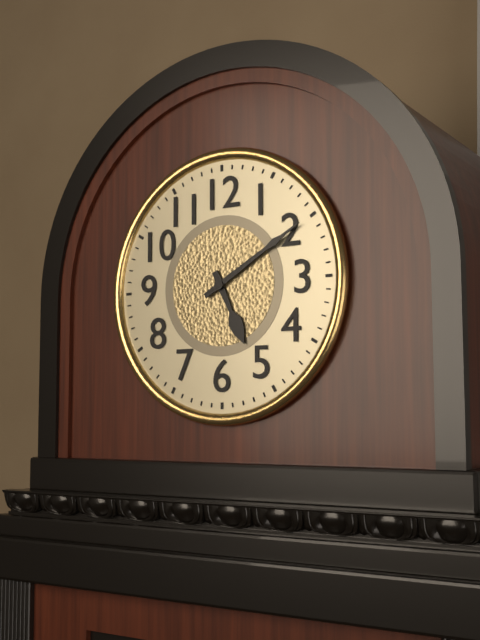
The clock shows 5h10
